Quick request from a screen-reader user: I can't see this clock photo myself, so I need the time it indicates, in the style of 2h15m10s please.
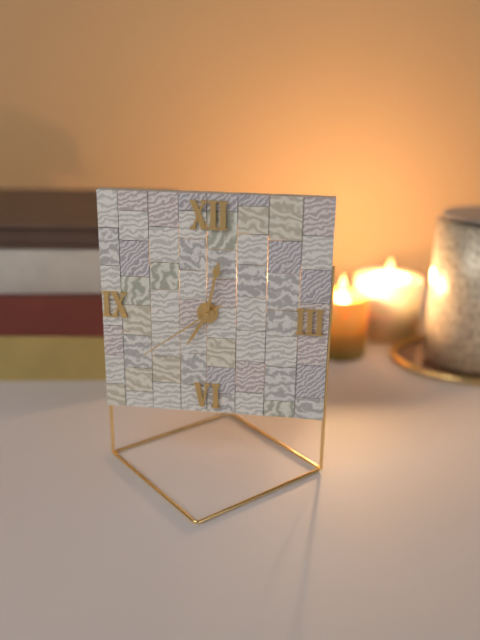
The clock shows 7h02m39s
